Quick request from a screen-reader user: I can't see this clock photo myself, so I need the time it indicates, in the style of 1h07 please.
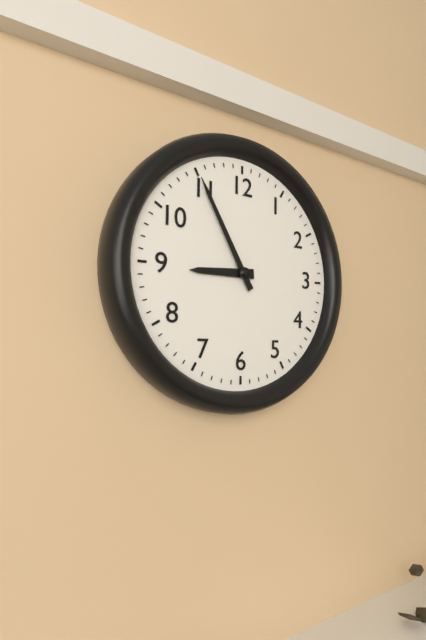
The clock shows 8h55
